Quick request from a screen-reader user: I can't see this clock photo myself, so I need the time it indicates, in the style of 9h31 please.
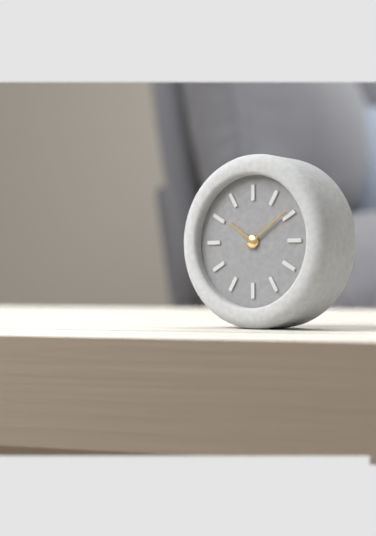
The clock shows 10h09
